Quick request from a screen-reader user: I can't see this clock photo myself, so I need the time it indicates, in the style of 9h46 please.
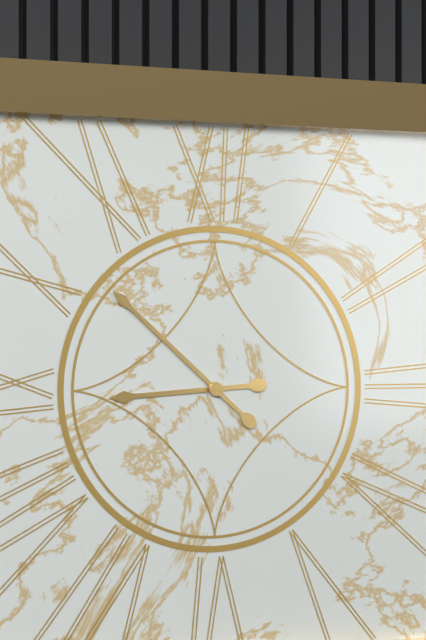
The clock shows 8h52
